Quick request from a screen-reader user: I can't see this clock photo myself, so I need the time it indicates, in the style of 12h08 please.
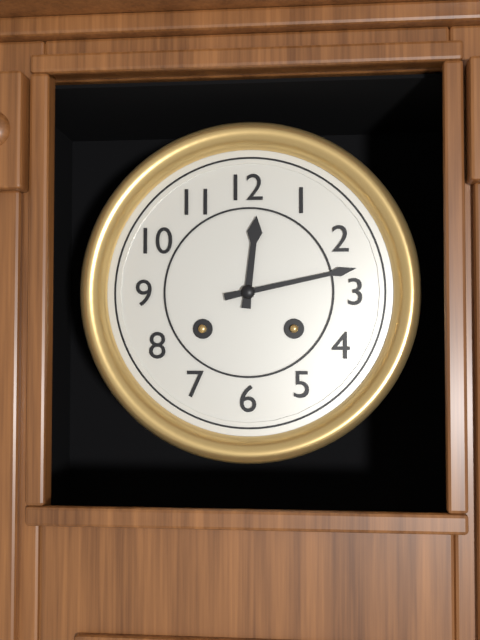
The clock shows 12h13
